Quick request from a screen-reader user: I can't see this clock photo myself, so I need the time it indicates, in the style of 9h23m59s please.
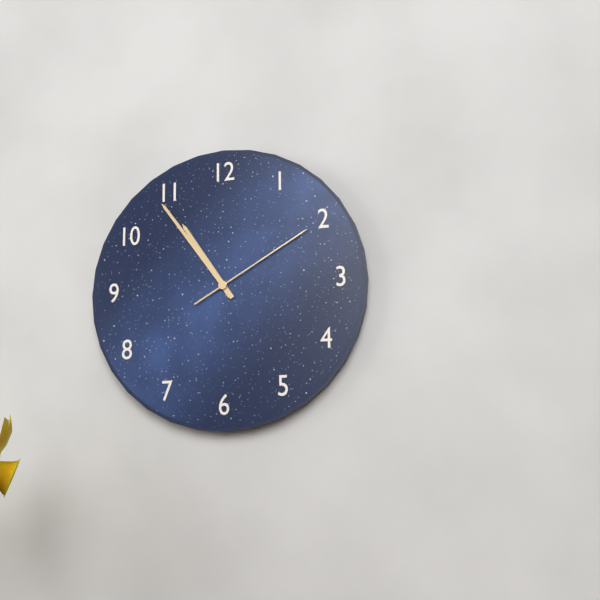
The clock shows 10h54m10s
